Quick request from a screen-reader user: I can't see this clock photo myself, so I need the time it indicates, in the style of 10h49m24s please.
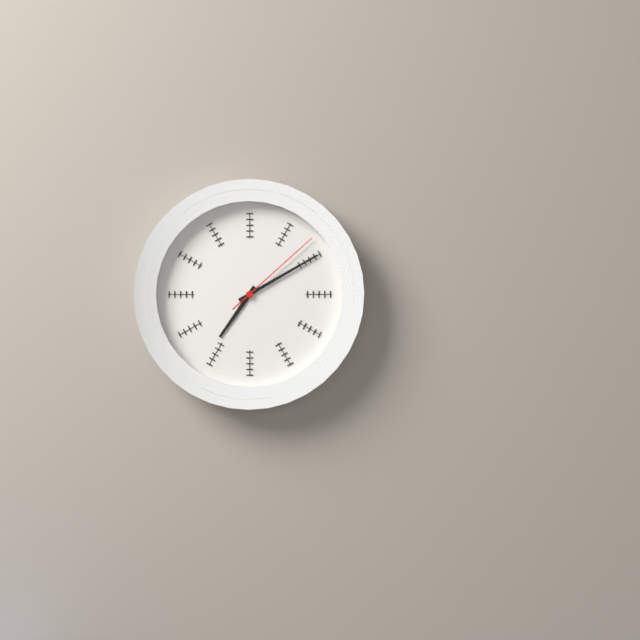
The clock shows 7h10m08s
